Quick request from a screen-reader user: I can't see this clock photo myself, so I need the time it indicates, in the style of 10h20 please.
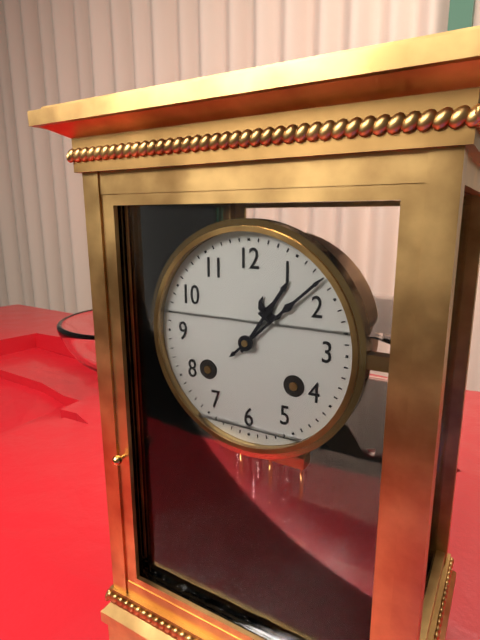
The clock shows 1h08
